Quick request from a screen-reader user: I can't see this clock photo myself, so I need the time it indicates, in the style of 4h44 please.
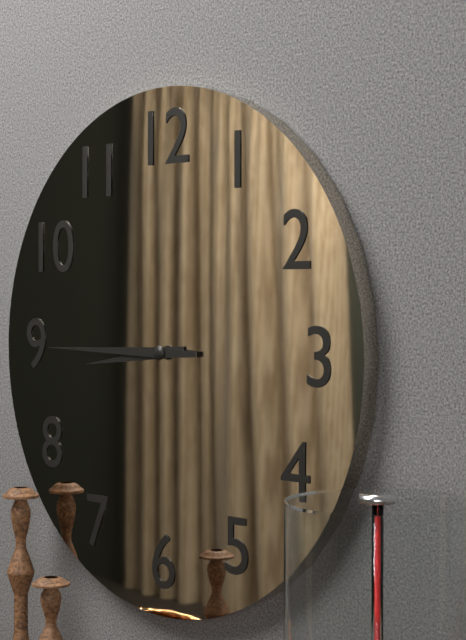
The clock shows 8h45
